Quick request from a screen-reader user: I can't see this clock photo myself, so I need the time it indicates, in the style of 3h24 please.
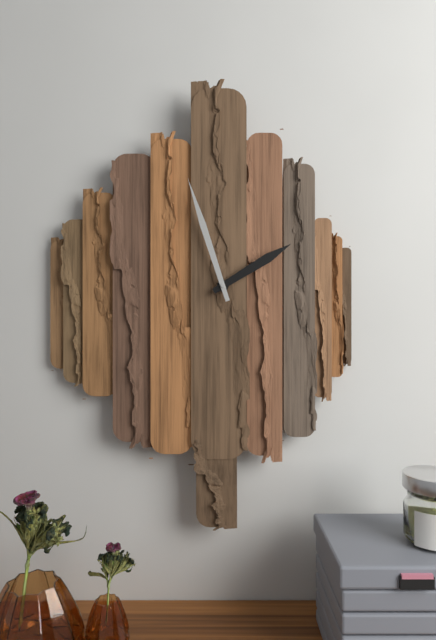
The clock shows 1h57
